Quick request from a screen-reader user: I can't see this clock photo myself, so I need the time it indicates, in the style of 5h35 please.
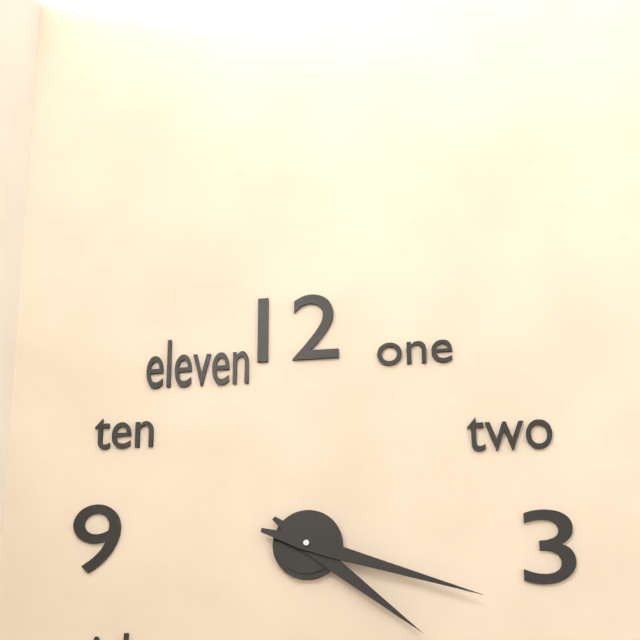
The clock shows 4h18
